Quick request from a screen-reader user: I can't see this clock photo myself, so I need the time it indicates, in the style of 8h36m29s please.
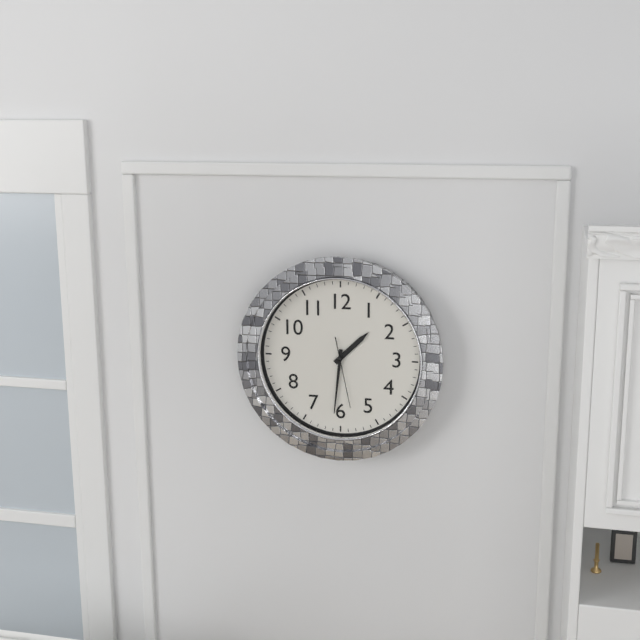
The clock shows 1h31m28s
